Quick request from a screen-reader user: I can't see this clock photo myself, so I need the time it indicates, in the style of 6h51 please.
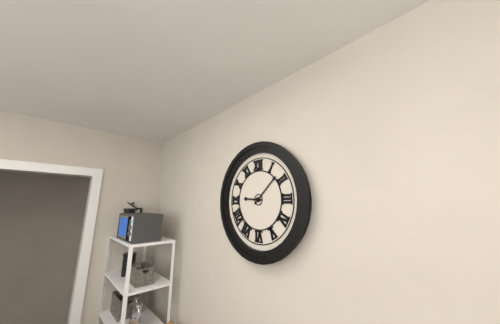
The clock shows 9h08
